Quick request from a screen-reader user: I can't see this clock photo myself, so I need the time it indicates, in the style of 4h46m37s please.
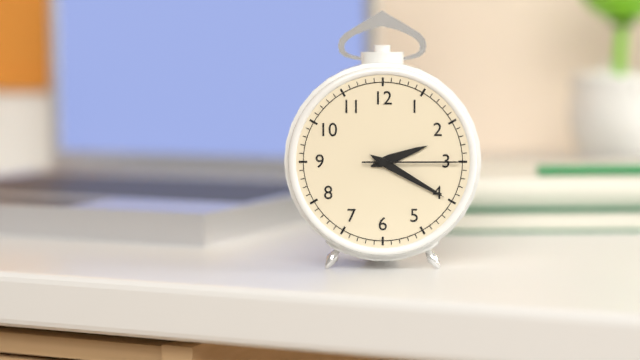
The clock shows 2h20m15s
